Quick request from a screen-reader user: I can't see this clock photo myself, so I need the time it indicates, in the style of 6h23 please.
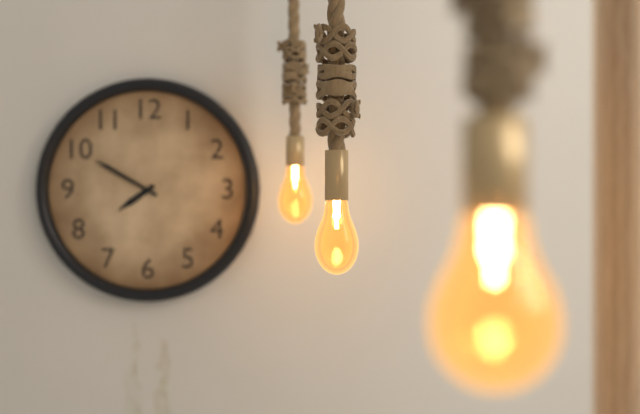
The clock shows 7h50
